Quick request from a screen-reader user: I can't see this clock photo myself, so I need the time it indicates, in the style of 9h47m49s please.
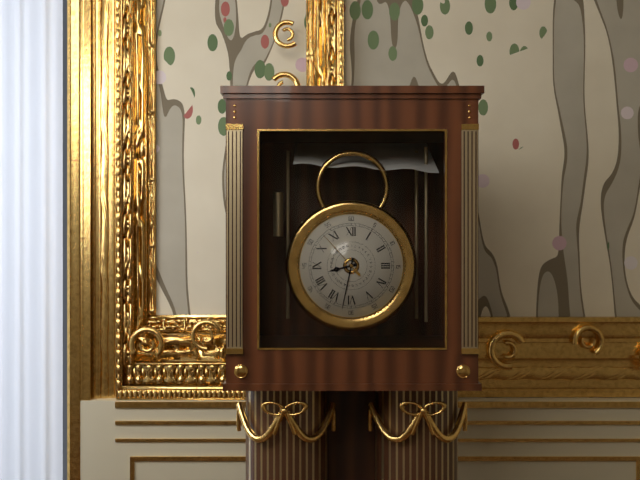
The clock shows 8h32m53s
